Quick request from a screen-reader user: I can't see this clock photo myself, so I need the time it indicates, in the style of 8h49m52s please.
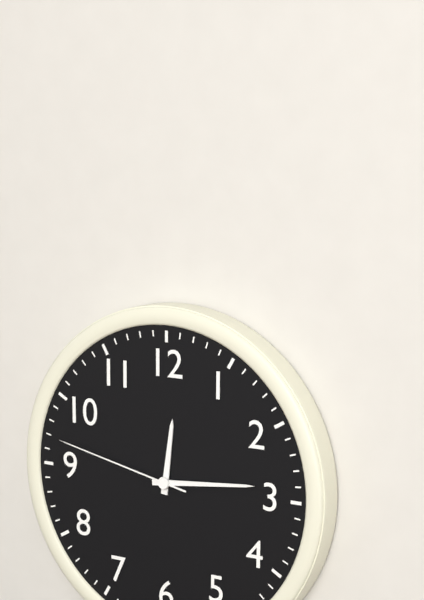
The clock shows 12h14m47s
